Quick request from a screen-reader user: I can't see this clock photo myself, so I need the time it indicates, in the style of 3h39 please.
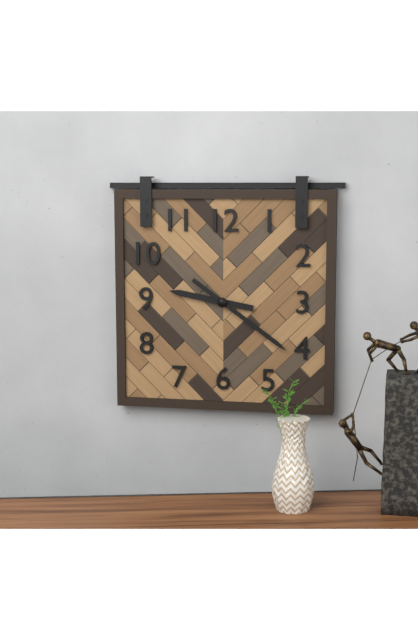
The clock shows 9h21
